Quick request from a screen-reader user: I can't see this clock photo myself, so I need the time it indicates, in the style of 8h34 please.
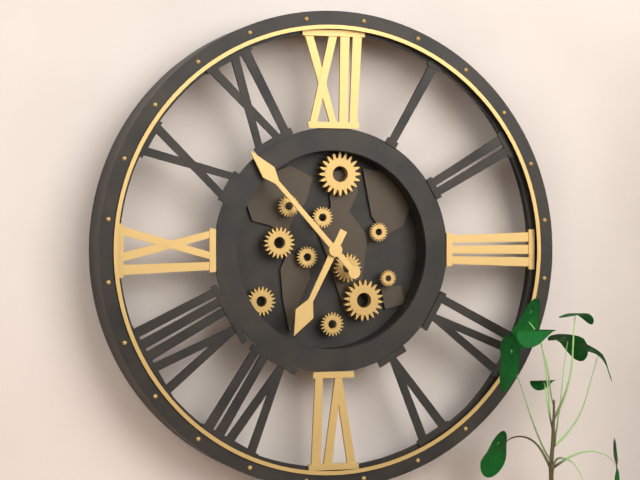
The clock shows 6h53
